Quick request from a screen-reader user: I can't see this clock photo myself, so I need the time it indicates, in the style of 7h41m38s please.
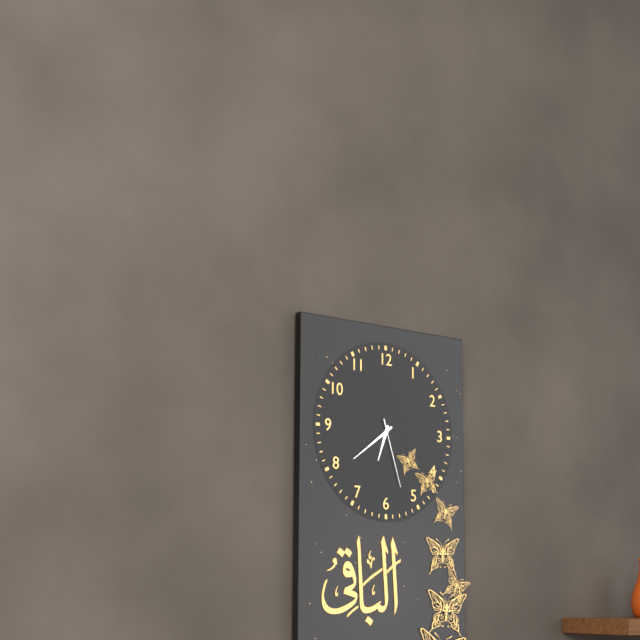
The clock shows 6h39m27s
